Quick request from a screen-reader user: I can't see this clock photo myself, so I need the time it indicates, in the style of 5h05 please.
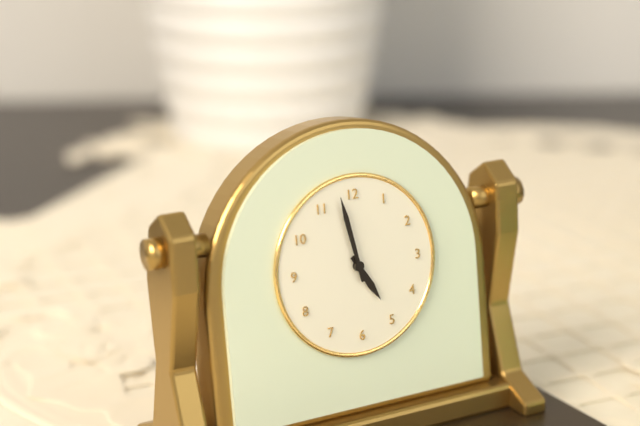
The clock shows 4h58
